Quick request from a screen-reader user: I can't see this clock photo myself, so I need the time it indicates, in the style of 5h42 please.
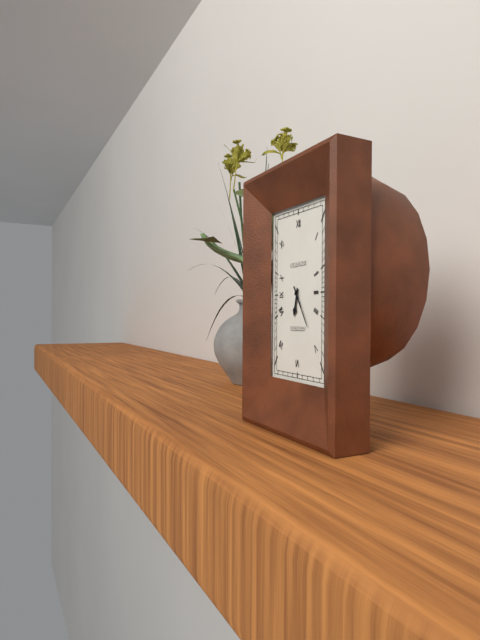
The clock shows 6h25
